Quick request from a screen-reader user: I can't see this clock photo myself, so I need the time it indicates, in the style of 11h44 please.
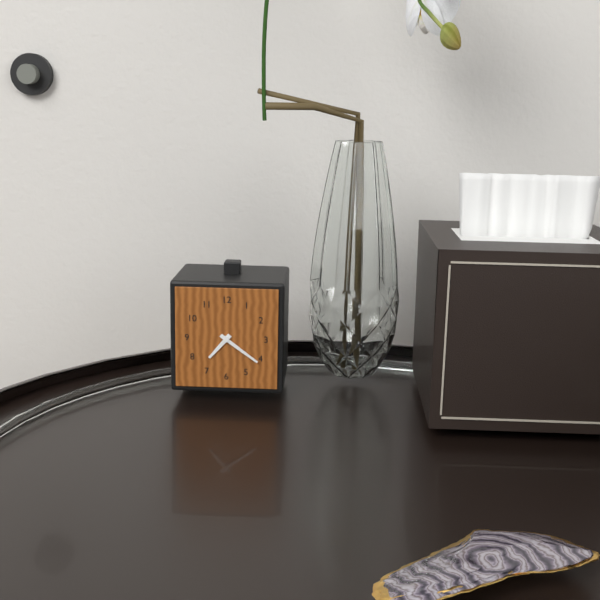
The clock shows 7h21
